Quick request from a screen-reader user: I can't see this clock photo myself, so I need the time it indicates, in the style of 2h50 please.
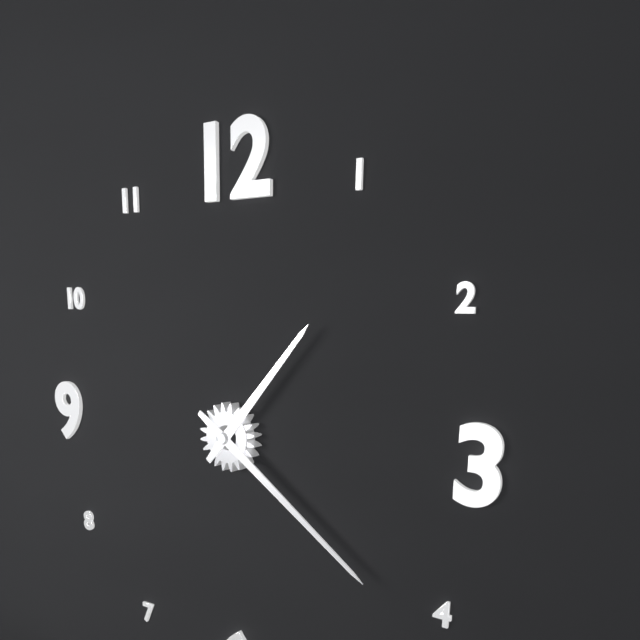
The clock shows 1h21
